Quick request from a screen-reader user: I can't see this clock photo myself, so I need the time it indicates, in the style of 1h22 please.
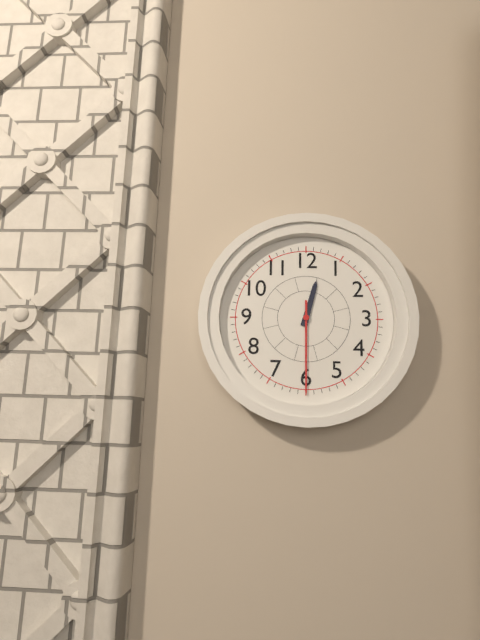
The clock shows 12h30
